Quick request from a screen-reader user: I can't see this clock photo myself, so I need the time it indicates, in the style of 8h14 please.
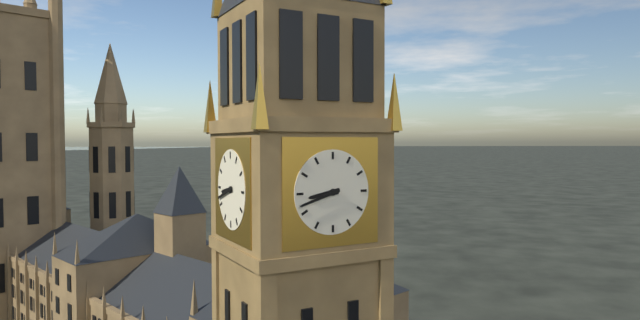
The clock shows 8h42
